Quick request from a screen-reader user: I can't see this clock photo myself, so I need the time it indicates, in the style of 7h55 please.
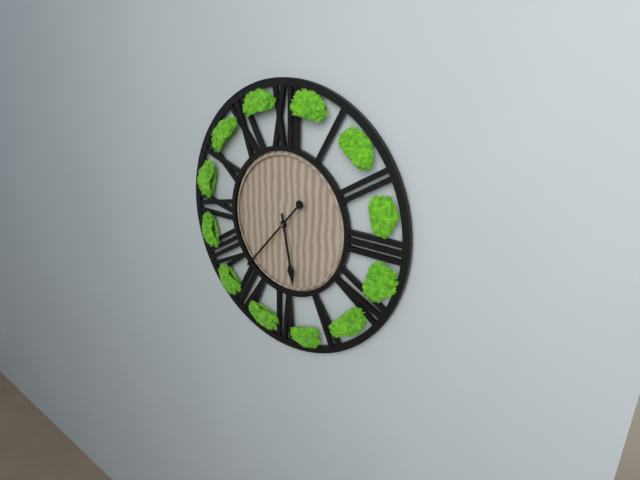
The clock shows 5h37
